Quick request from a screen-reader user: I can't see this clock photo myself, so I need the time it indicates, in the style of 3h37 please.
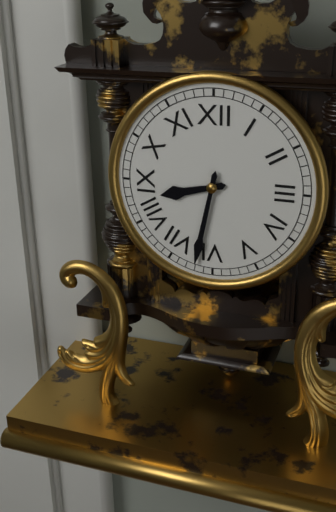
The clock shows 8h32
